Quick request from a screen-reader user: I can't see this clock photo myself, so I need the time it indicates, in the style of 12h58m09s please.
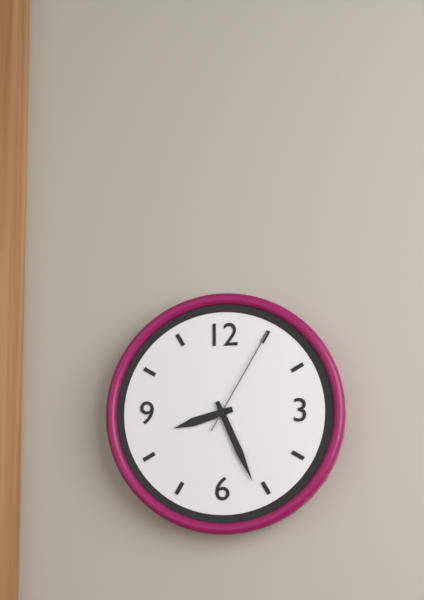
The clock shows 8h26m05s
